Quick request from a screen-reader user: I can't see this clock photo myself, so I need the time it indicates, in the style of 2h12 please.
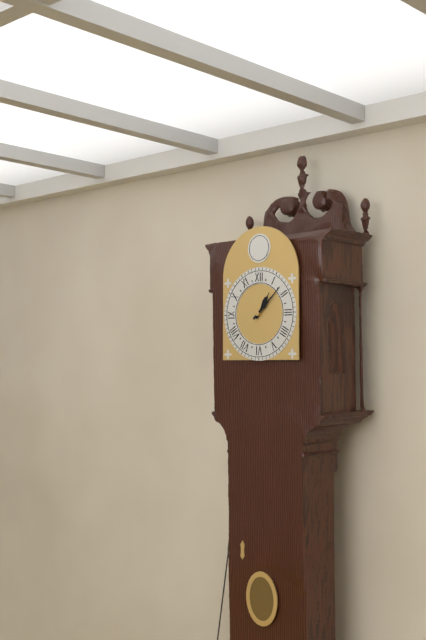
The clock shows 1h08
